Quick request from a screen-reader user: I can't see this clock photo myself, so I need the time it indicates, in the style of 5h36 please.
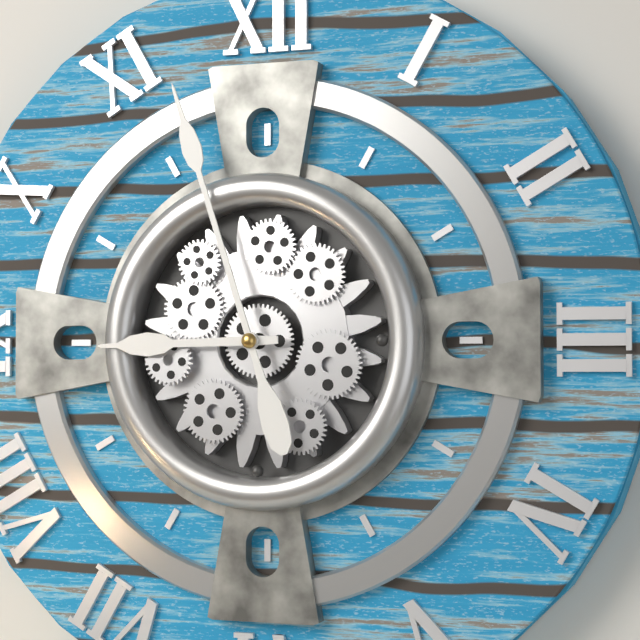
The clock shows 8h57
